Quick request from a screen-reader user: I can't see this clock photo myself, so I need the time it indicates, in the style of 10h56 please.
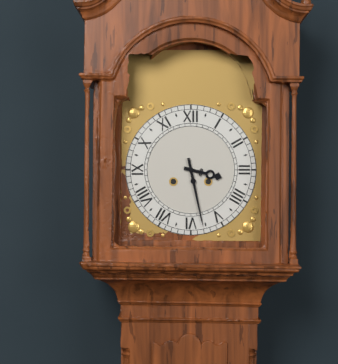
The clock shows 3h28
